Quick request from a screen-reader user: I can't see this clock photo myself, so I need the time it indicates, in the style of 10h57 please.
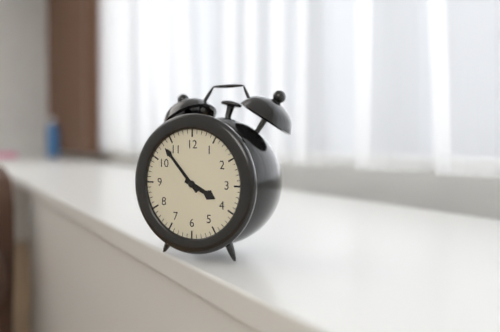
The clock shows 3h53
